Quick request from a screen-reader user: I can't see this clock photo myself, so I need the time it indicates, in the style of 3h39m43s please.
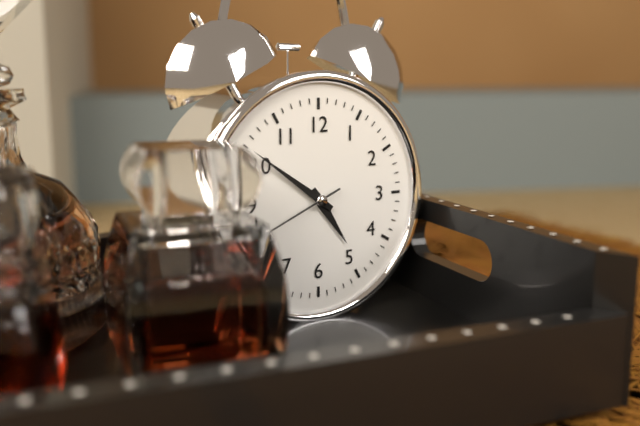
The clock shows 4h51m41s
